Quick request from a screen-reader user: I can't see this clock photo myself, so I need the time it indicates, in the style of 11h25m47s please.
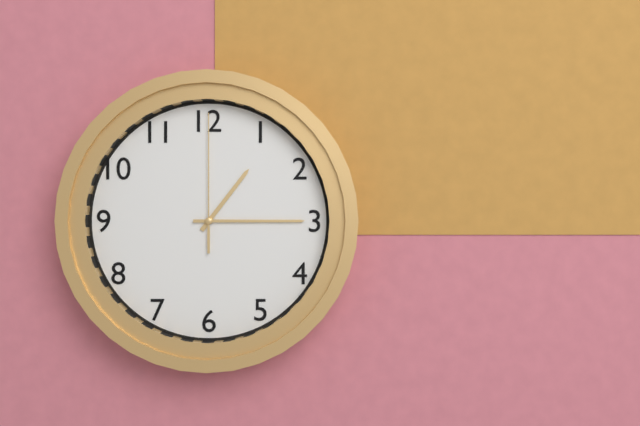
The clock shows 1h15m00s
